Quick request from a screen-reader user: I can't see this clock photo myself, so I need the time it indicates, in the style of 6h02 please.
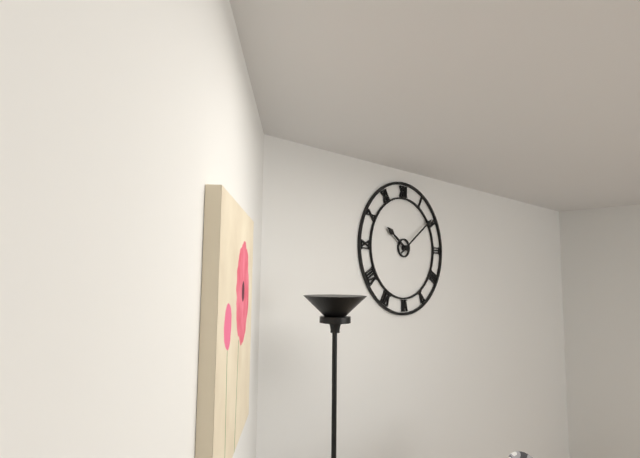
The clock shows 10h09
